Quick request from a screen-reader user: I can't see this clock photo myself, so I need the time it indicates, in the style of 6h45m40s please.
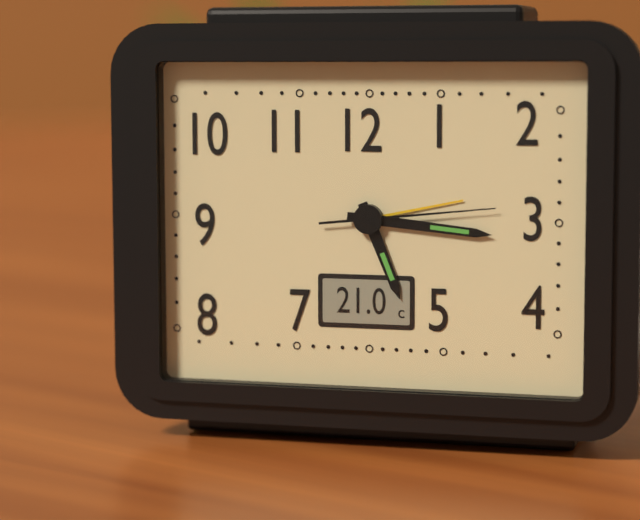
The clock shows 5h16m14s
